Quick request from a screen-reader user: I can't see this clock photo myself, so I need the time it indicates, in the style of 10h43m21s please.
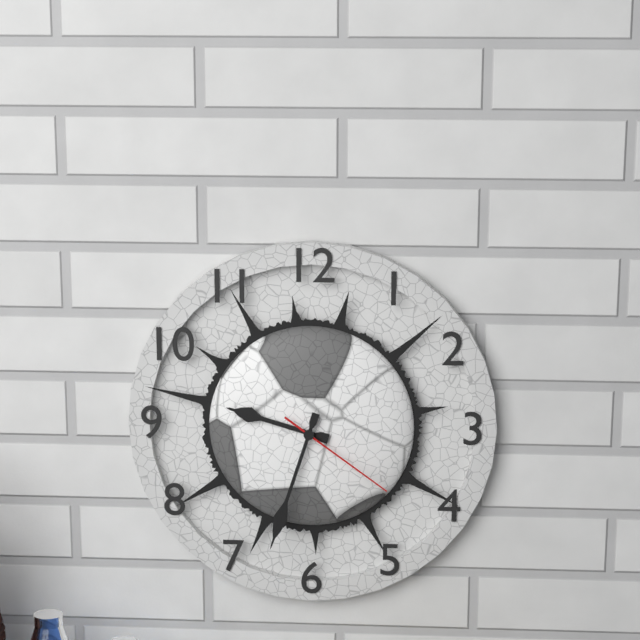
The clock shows 9h33m21s
